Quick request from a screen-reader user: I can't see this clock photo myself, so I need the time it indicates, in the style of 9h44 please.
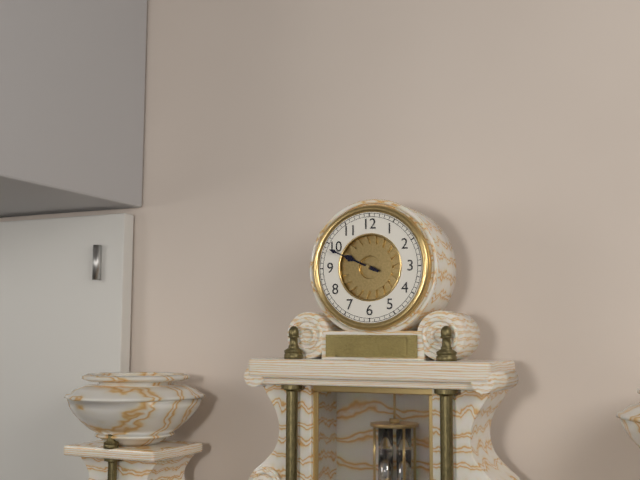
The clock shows 9h49
